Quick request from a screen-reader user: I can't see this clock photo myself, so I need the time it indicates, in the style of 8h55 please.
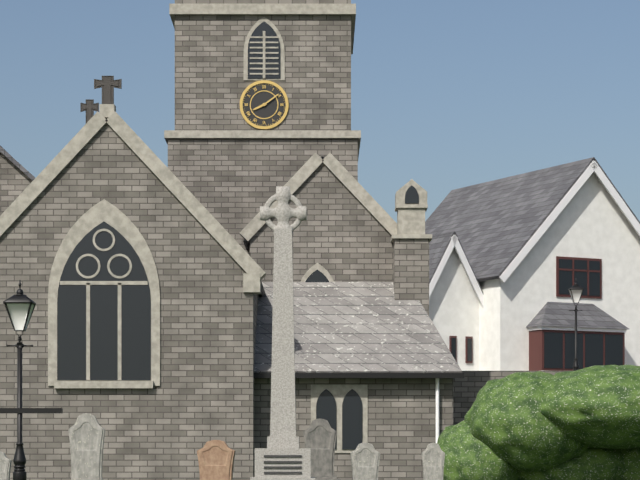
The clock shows 8h09
